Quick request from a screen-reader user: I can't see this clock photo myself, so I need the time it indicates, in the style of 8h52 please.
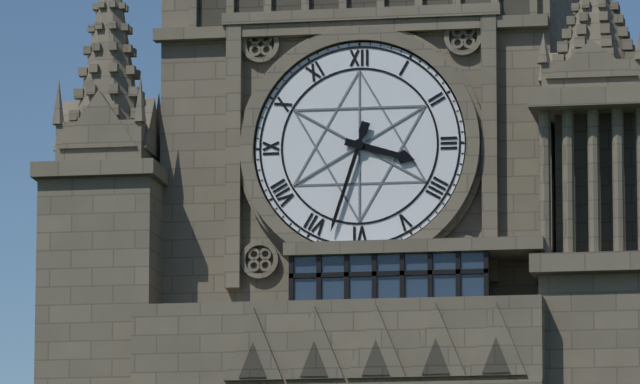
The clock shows 3h33
